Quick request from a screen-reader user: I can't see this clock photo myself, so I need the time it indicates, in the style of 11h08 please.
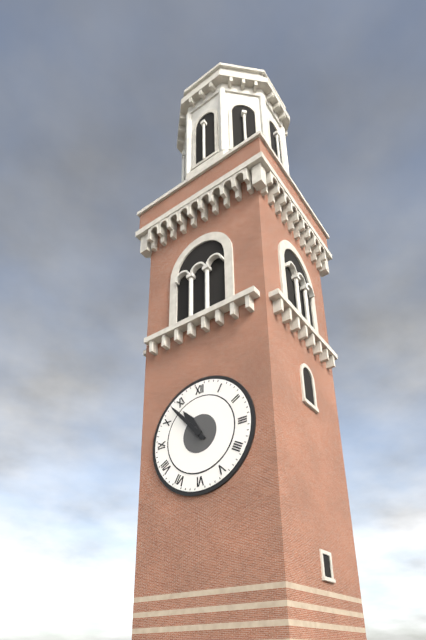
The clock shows 10h53
